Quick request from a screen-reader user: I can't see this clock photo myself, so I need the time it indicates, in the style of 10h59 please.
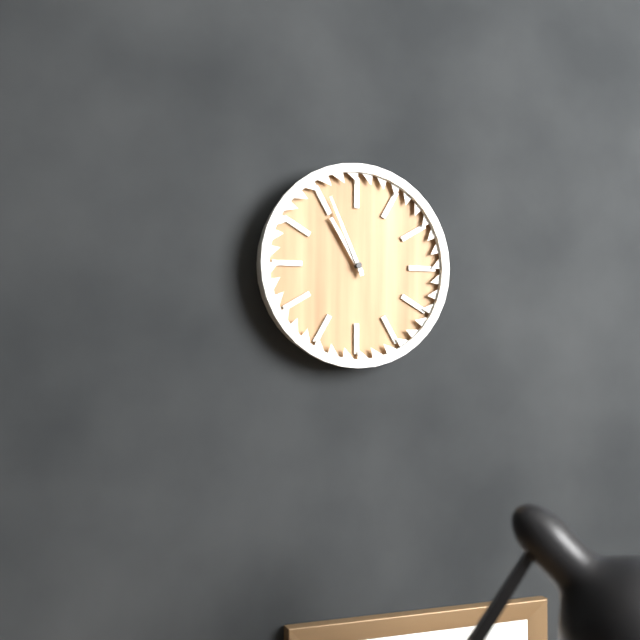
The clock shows 10h56
